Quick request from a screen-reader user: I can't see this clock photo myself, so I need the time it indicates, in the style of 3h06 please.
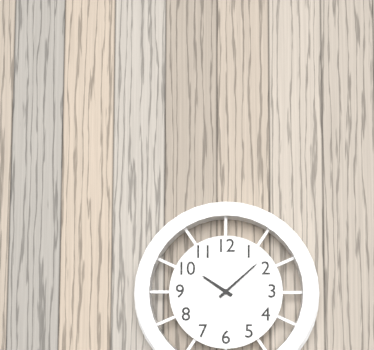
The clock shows 10h08
